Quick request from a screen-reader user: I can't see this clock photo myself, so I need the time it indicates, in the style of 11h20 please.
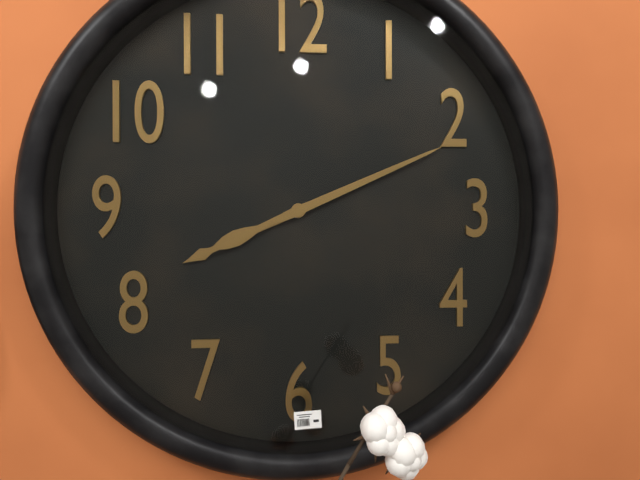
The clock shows 8h11
